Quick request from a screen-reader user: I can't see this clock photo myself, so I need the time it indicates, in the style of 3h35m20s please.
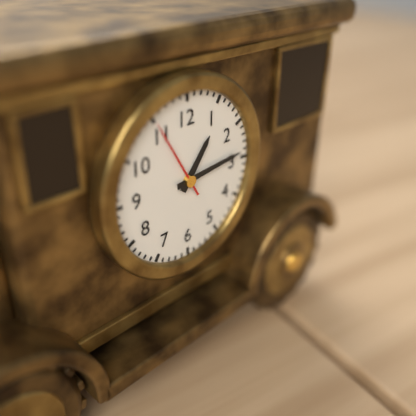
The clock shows 1h14m55s
